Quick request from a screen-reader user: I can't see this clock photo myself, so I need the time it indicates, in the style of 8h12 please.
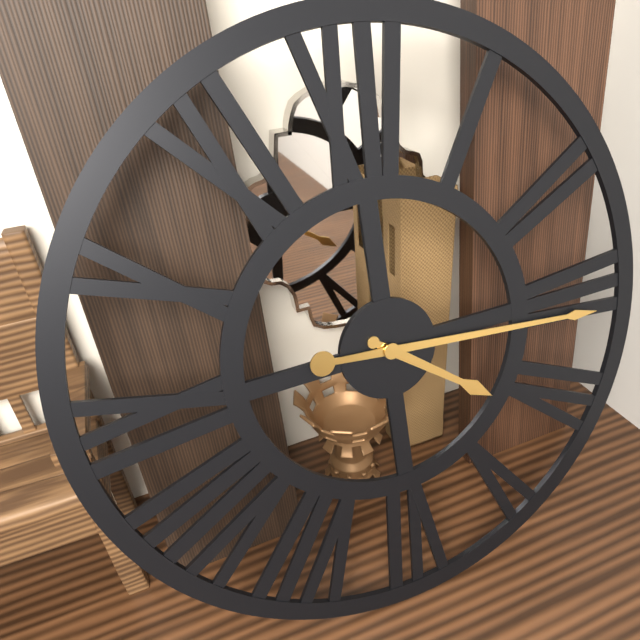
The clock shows 4h16
